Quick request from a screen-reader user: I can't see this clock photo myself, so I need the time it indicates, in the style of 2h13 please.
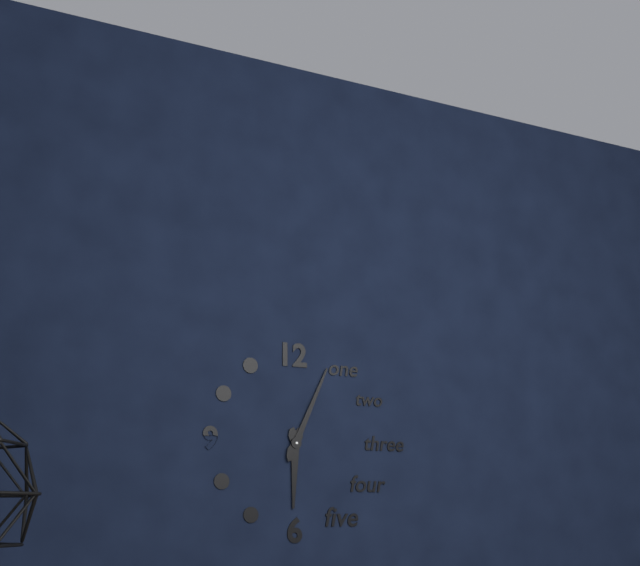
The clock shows 6h04
